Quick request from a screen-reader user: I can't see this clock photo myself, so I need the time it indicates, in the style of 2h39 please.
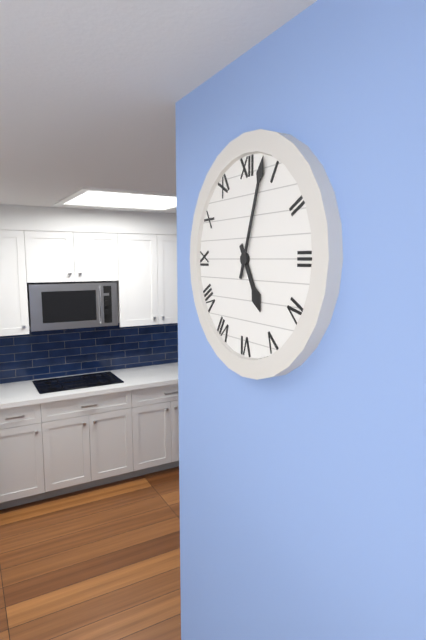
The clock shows 5h03
